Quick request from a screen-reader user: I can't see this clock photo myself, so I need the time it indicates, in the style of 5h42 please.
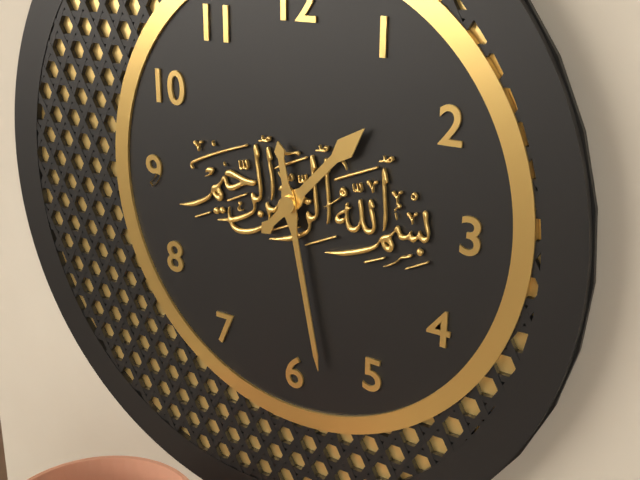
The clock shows 1h28
